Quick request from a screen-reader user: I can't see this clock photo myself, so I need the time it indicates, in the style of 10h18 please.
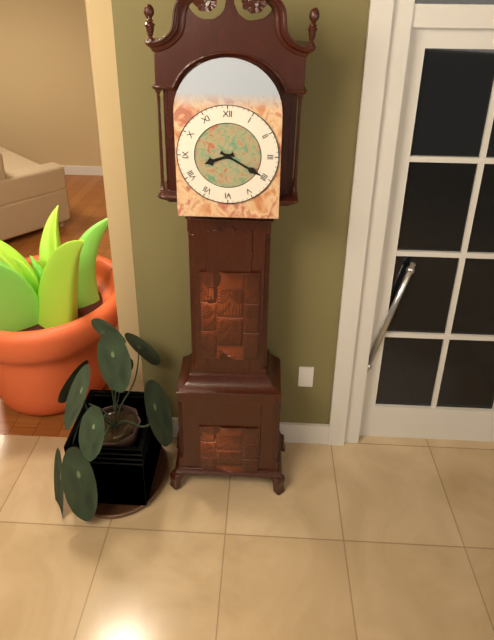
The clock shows 8h20
